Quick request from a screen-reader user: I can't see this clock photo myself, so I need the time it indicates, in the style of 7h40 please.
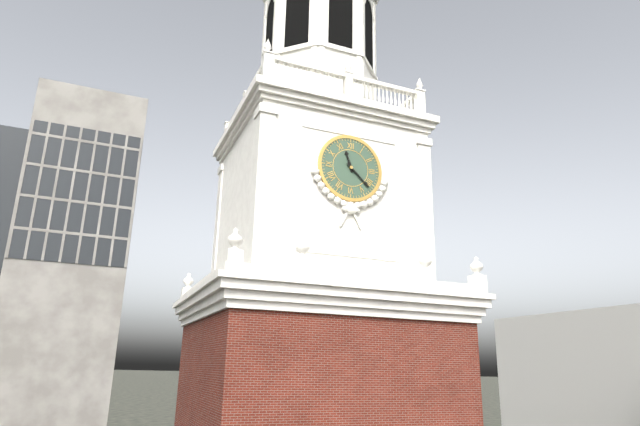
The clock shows 11h22
